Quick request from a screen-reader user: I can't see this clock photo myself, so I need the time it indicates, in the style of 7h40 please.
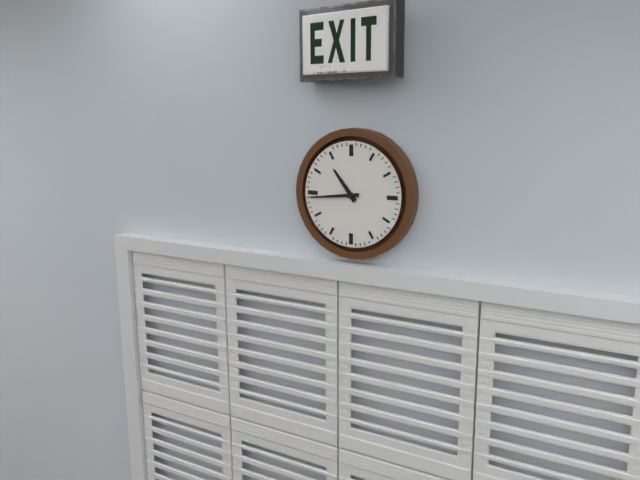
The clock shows 10h44
